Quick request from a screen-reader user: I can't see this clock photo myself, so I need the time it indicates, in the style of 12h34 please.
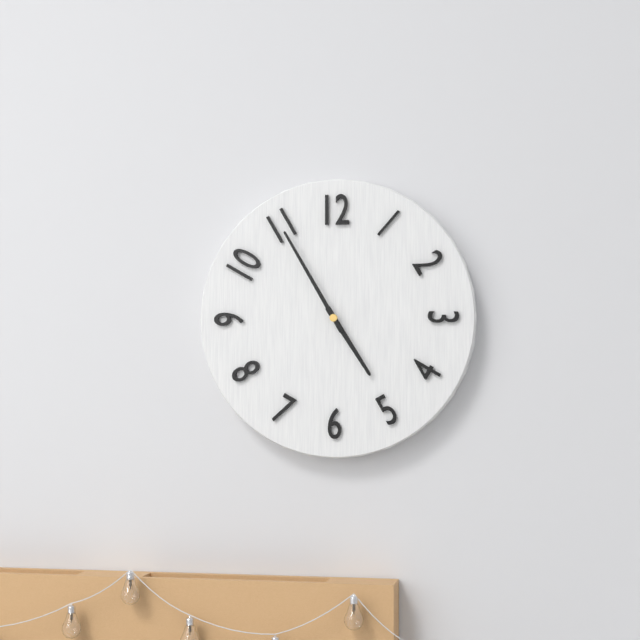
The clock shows 4h55
